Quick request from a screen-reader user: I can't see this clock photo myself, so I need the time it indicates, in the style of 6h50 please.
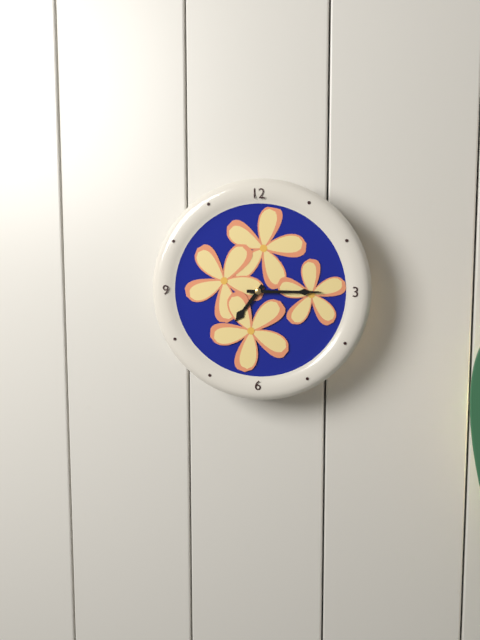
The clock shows 7h15
